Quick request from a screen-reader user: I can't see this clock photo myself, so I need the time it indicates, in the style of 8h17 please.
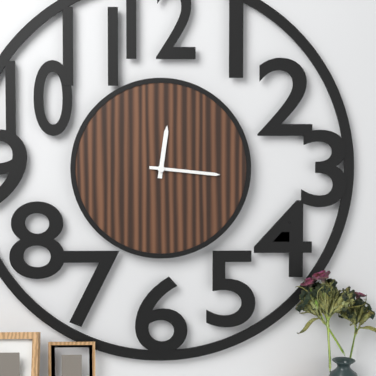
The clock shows 12h16
